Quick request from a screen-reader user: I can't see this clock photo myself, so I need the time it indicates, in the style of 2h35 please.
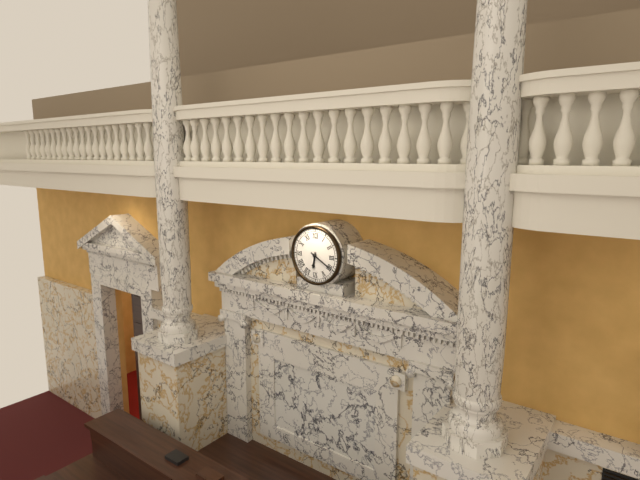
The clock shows 6h20
